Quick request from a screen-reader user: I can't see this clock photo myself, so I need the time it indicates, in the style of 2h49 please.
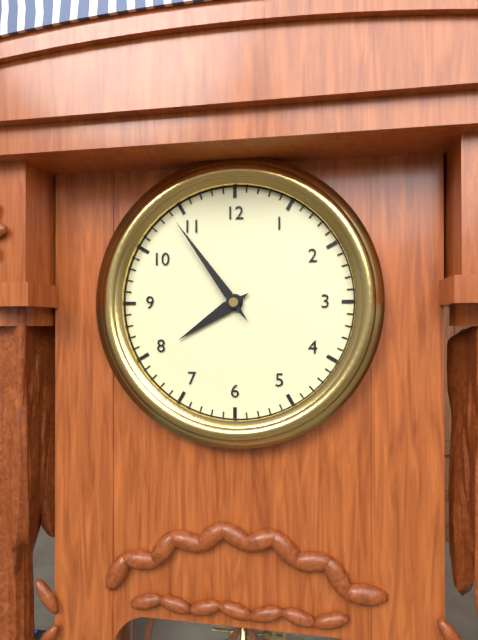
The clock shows 7h54
